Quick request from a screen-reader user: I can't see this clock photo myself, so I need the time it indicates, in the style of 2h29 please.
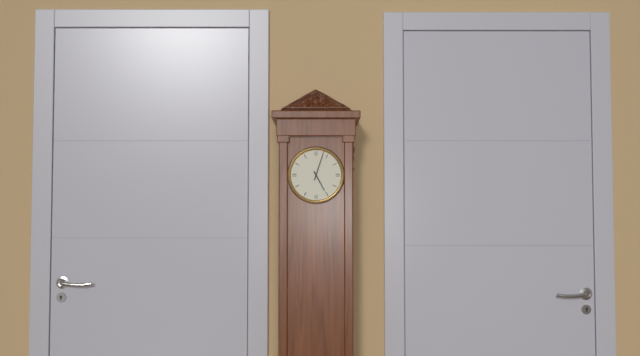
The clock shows 5h03
